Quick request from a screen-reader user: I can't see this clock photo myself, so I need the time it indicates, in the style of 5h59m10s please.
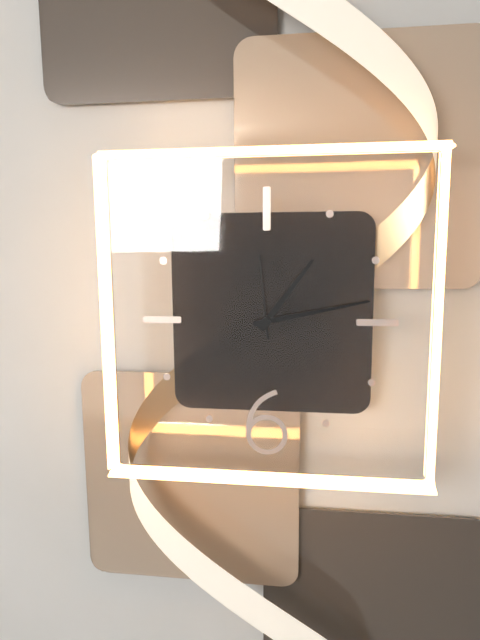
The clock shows 1h13m59s
